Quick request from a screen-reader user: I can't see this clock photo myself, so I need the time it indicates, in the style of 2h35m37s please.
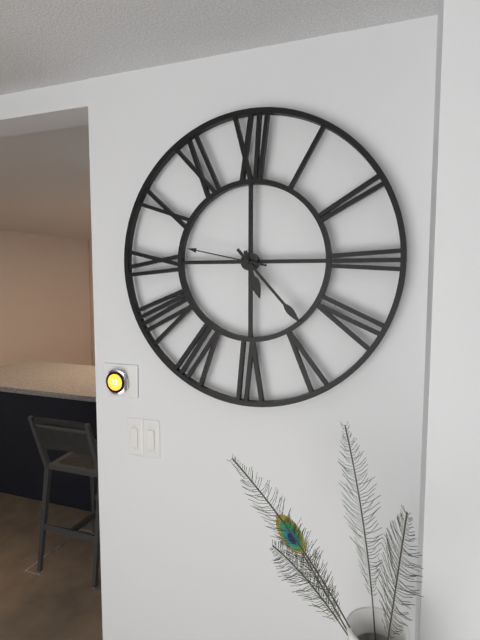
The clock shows 5h23m47s
